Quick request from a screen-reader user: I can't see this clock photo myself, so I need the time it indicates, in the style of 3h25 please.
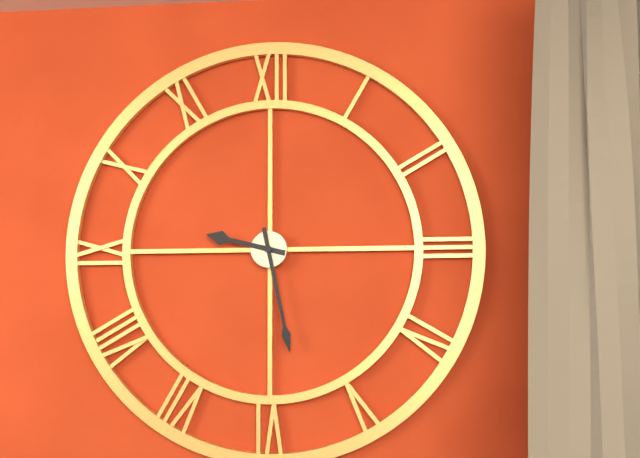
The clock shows 9h28
